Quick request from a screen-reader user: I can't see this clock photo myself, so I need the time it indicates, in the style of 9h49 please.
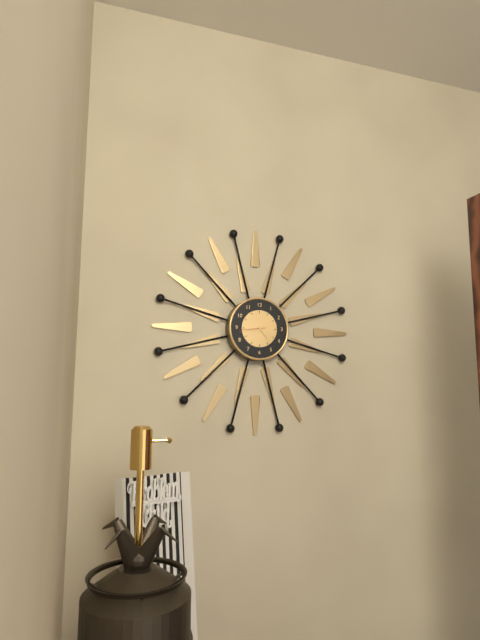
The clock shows 4h43
